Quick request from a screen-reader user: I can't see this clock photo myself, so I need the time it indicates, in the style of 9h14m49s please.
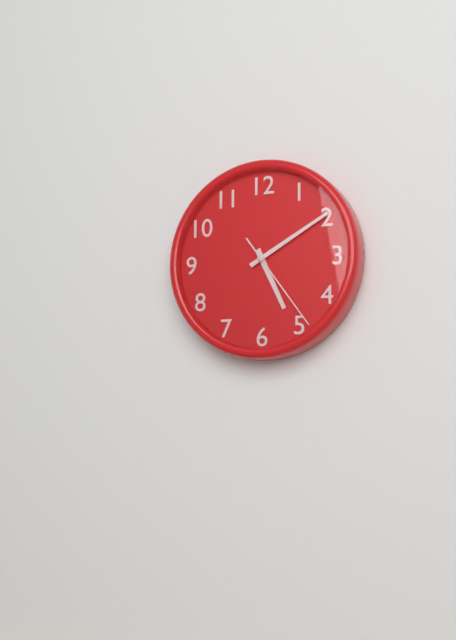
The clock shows 5h10m24s
